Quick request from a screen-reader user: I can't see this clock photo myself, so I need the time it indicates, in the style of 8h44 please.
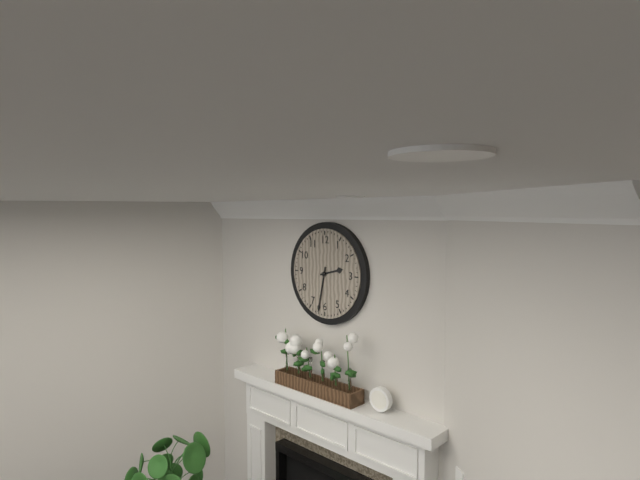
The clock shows 2h32
